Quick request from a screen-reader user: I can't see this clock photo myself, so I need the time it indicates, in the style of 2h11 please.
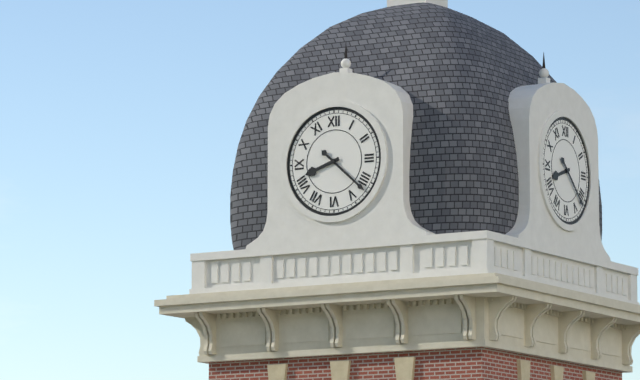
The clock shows 8h22
